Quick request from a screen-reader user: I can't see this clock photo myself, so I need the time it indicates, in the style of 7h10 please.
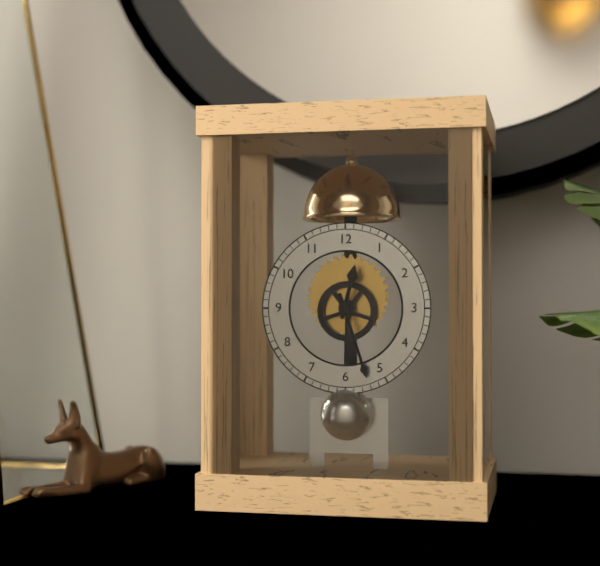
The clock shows 12h27
